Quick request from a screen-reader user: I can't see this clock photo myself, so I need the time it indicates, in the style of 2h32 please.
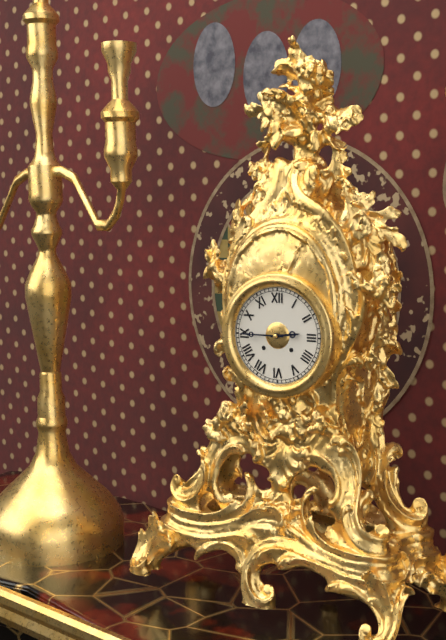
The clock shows 2h45
